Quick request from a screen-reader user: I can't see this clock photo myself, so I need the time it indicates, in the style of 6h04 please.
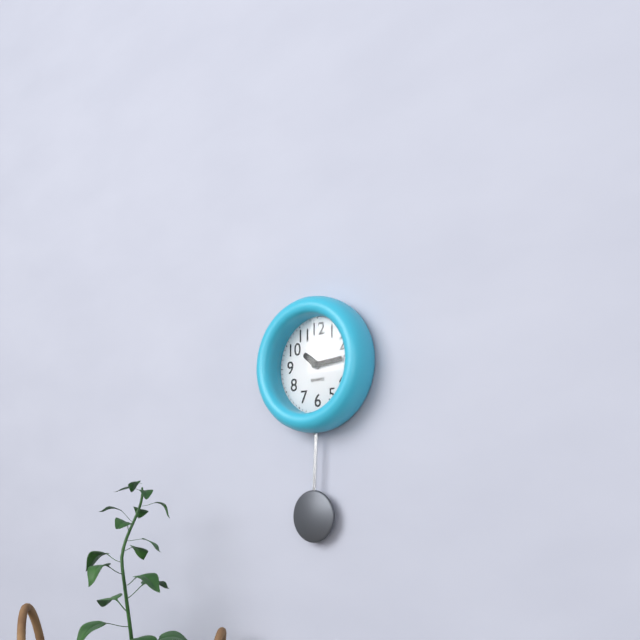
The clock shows 10h14
